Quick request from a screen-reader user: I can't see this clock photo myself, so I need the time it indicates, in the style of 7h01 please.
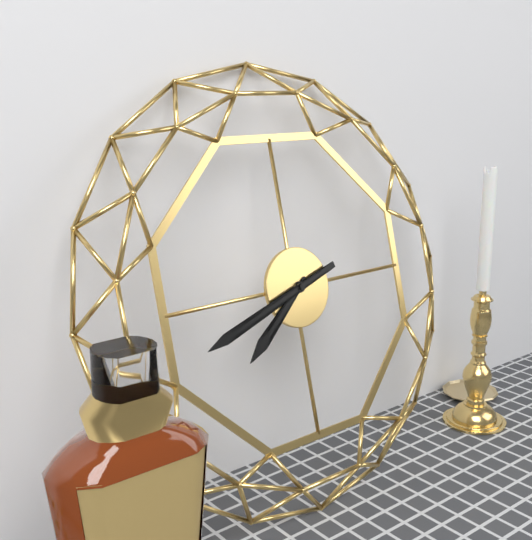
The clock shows 7h42
